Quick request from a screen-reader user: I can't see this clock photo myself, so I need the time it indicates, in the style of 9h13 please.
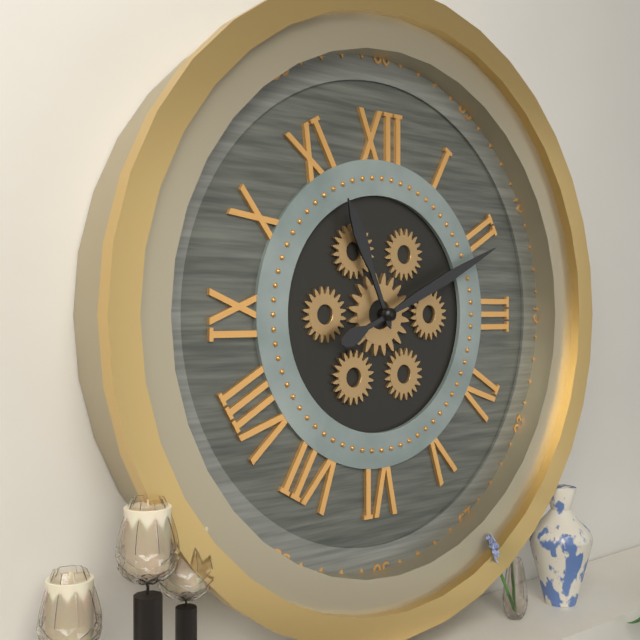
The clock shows 11h11
